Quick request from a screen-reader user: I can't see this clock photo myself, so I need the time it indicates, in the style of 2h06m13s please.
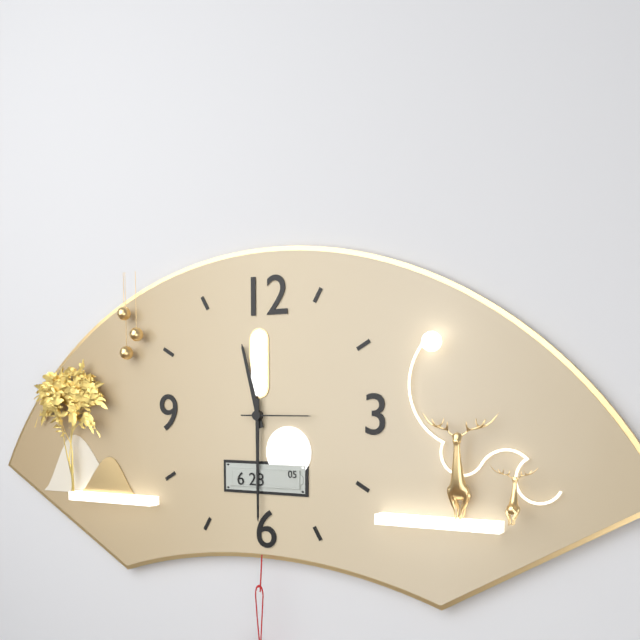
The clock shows 11h30m15s
